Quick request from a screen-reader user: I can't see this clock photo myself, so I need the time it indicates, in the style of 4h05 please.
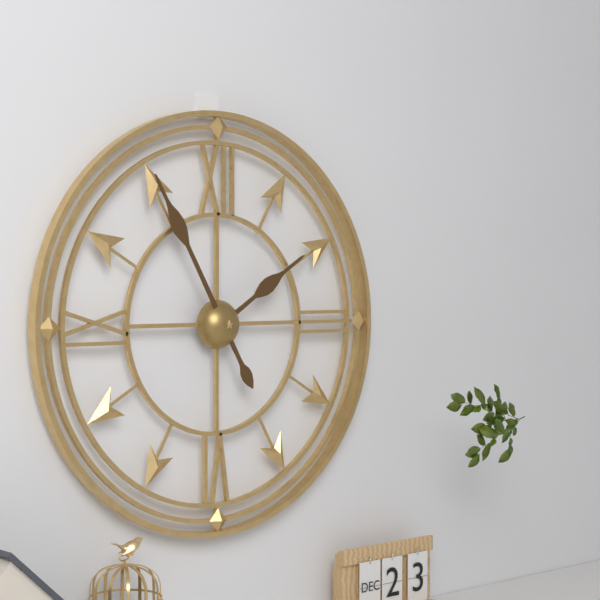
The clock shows 1h55
